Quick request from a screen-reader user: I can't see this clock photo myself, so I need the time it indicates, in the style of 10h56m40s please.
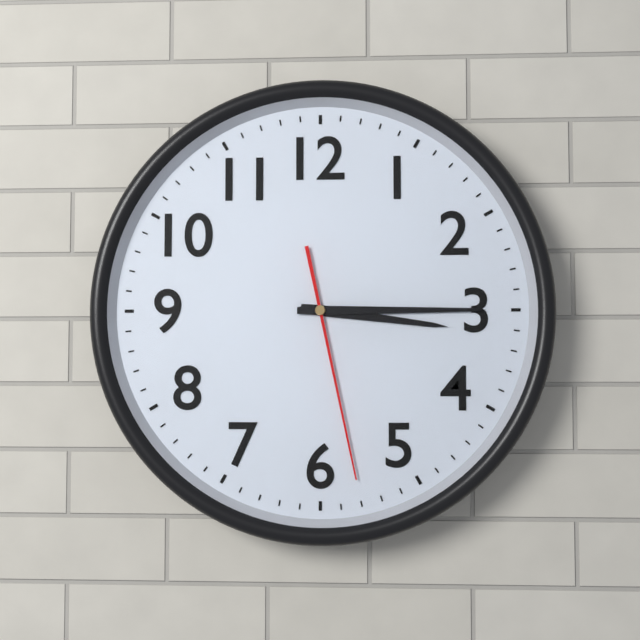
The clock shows 3h15m28s
